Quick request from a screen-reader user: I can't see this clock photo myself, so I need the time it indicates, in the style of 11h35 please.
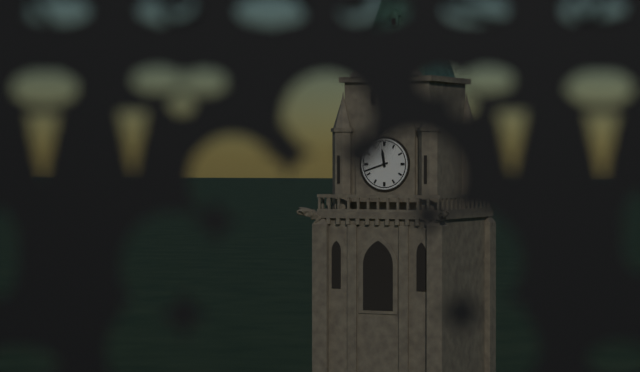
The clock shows 11h42
